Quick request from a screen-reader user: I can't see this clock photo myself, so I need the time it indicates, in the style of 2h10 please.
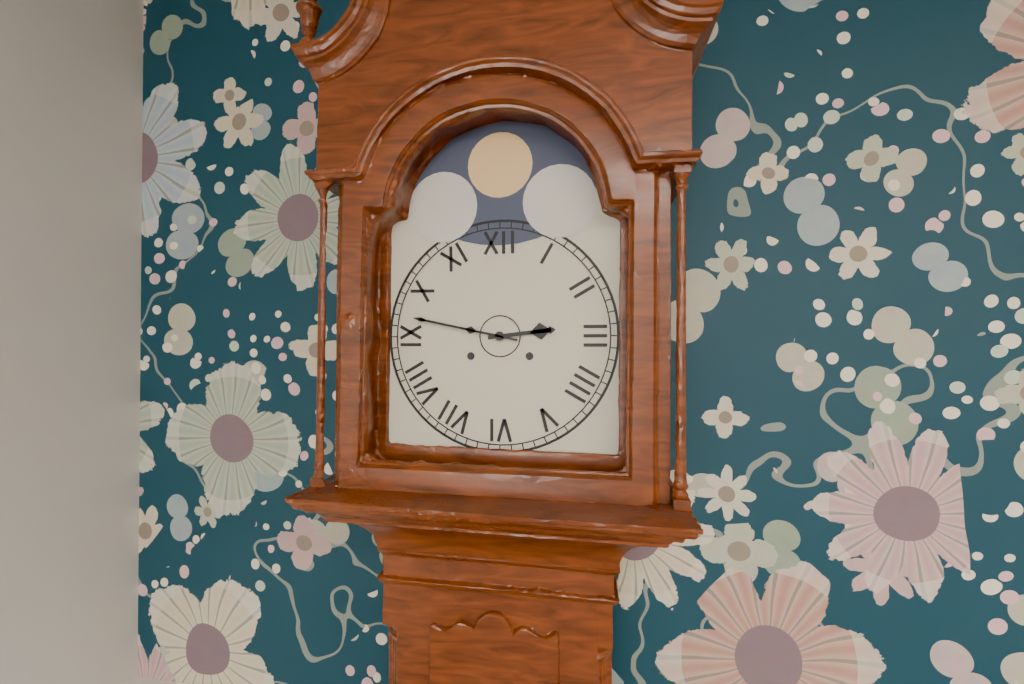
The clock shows 2h47
